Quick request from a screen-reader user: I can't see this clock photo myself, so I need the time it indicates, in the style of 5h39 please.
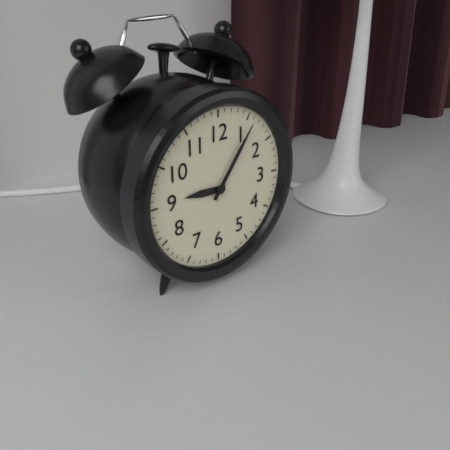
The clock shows 9h06
